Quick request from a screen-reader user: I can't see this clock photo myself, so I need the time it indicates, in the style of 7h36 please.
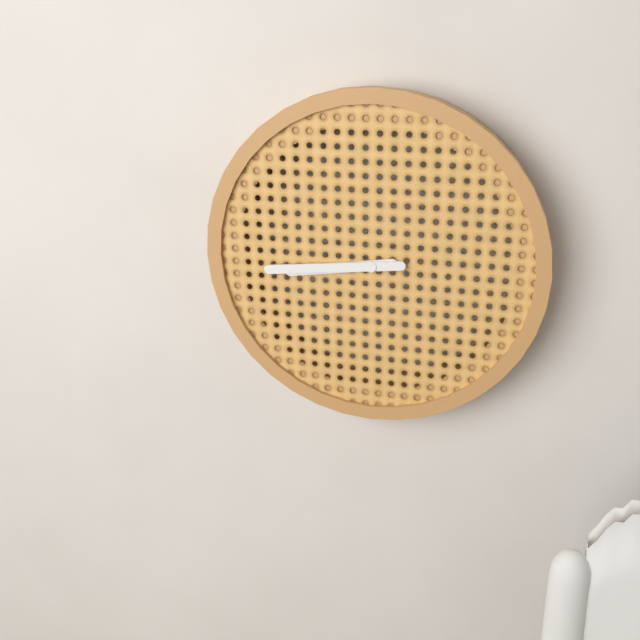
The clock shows 8h44
